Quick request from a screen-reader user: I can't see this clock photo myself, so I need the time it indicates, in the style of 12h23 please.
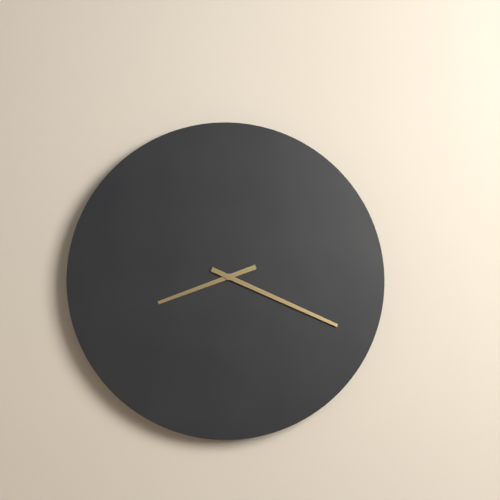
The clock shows 8h19
